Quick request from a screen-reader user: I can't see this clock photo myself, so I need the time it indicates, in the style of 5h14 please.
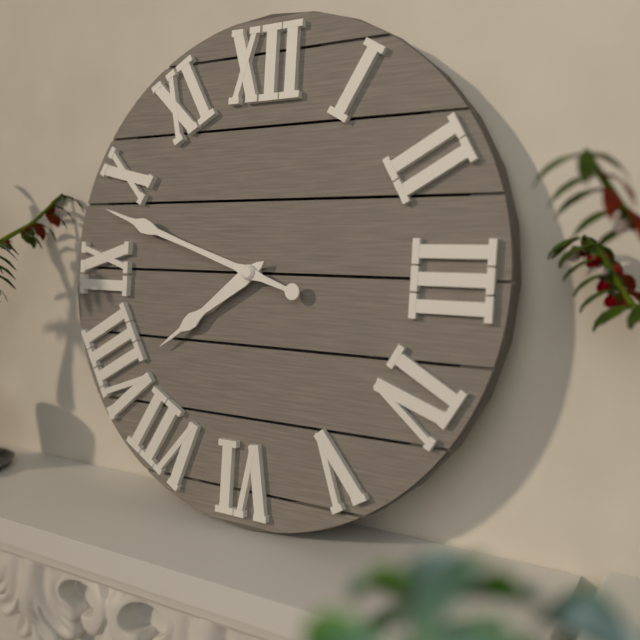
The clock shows 7h48
